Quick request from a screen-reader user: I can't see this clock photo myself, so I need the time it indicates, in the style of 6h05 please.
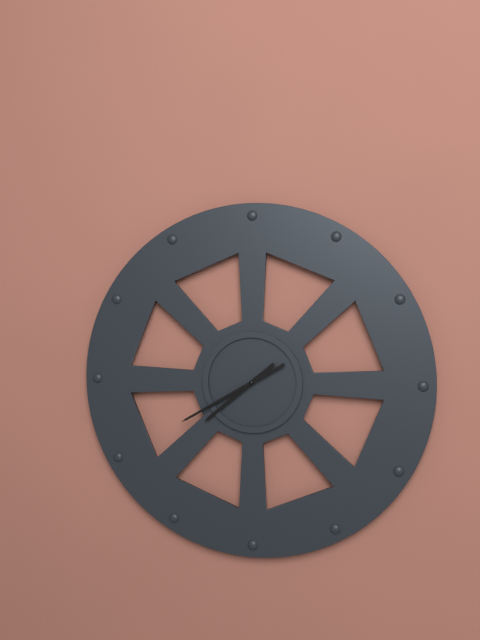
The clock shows 7h40
